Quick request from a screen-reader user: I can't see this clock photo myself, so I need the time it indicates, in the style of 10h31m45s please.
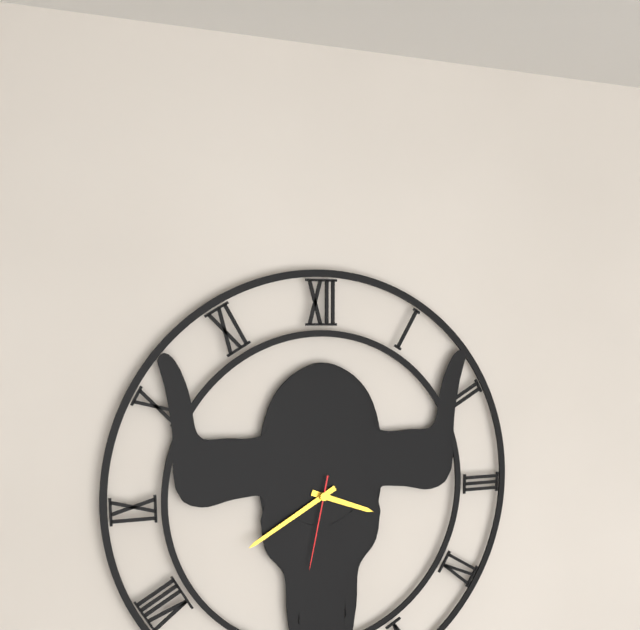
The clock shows 3h40m32s
